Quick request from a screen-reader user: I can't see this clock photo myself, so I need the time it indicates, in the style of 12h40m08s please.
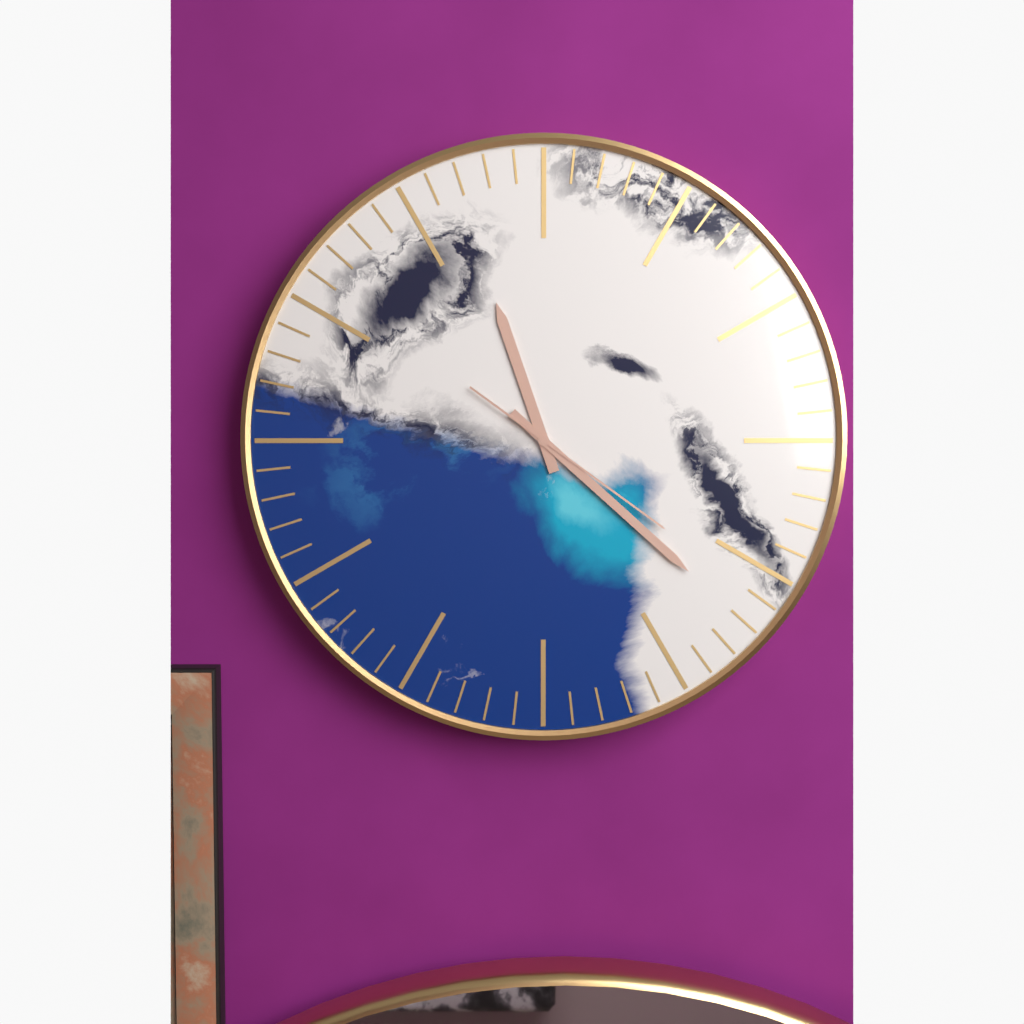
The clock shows 11h22m21s
